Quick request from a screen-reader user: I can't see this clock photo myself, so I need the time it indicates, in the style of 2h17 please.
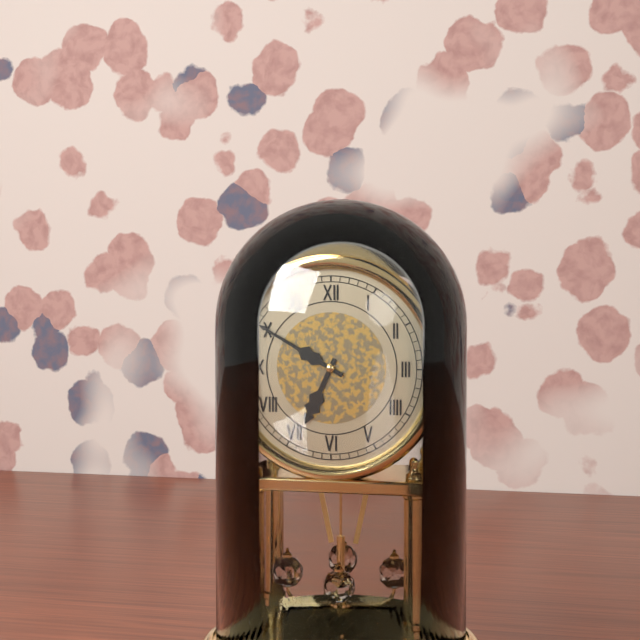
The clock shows 6h50
